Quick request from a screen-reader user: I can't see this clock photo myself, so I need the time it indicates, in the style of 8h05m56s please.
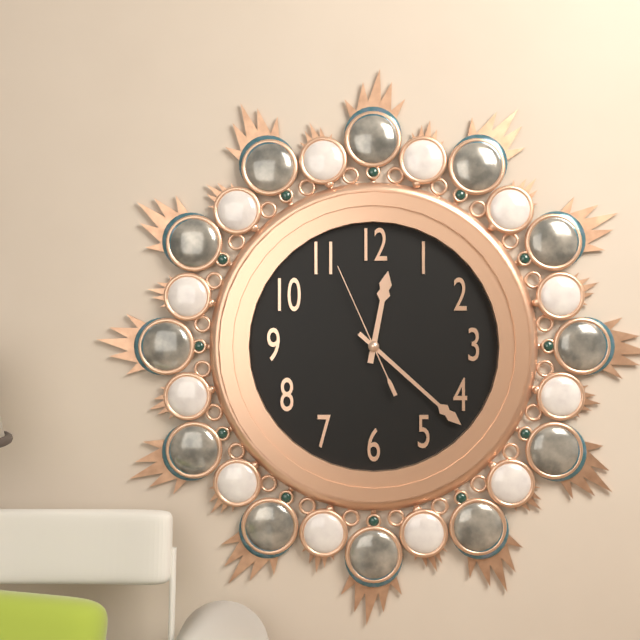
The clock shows 12h22m56s
